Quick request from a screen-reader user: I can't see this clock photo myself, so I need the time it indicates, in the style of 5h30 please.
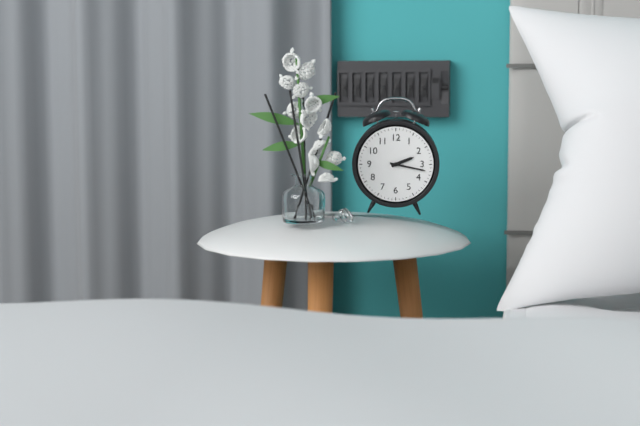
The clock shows 2h17
